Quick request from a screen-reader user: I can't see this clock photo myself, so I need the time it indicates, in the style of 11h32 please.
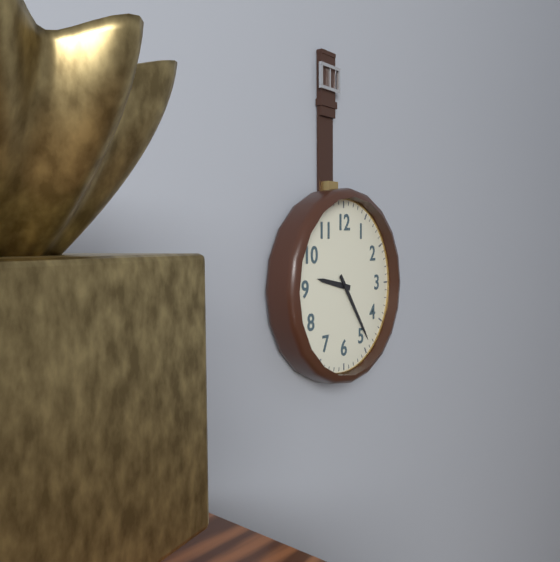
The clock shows 9h24
